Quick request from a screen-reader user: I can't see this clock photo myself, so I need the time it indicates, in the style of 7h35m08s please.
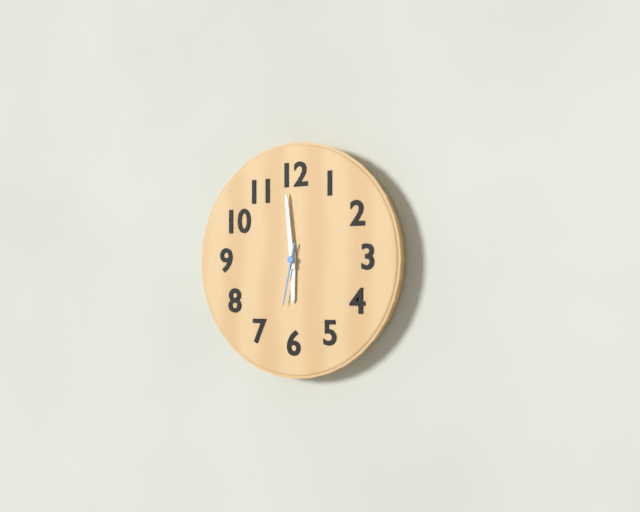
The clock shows 5h59m32s
